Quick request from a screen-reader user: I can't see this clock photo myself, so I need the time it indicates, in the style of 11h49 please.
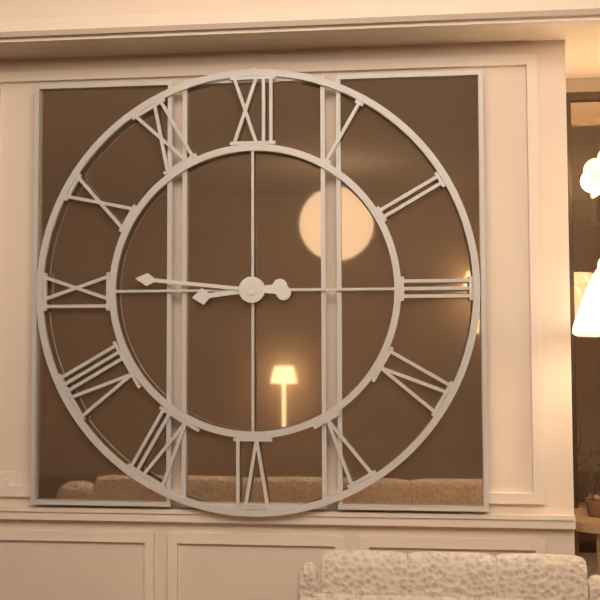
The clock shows 8h46
